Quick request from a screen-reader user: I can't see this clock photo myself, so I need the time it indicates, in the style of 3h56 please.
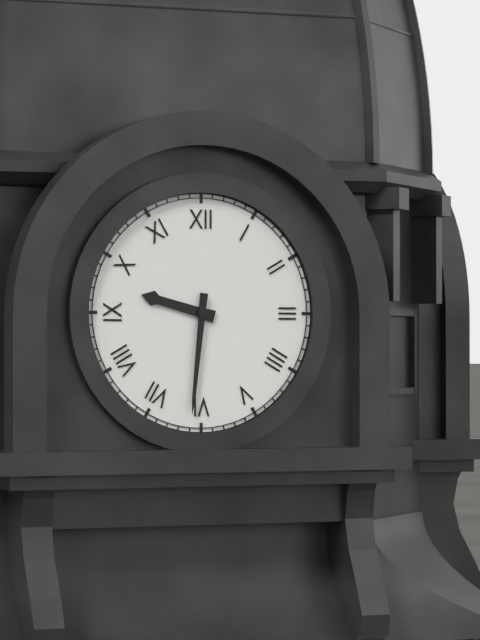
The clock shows 9h31
